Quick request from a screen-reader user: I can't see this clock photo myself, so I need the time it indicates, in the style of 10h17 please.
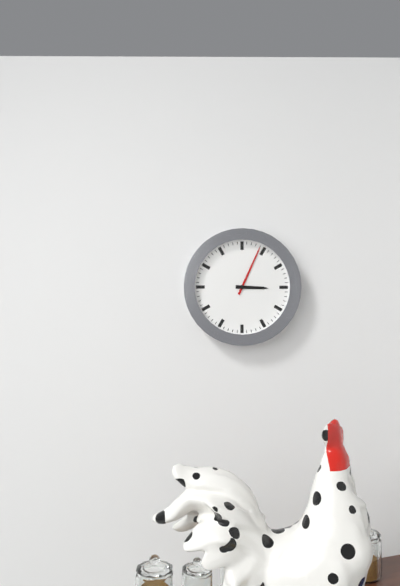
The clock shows 3h04
